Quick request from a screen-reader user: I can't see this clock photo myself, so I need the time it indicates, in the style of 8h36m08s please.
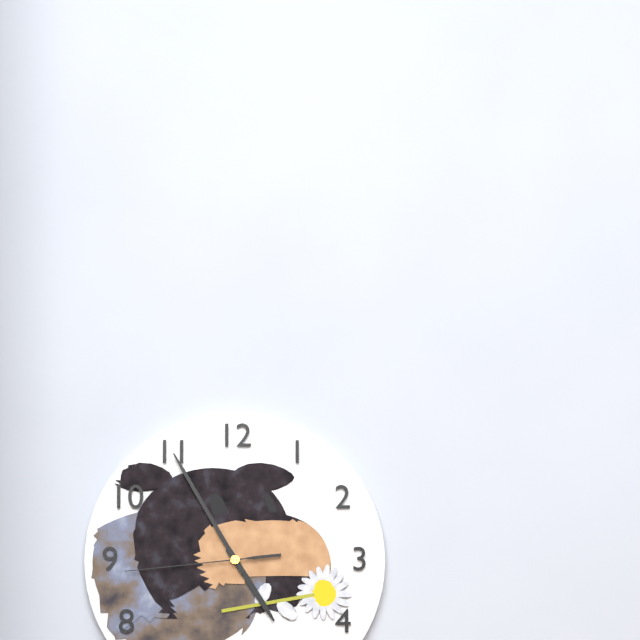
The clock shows 4h55m44s
